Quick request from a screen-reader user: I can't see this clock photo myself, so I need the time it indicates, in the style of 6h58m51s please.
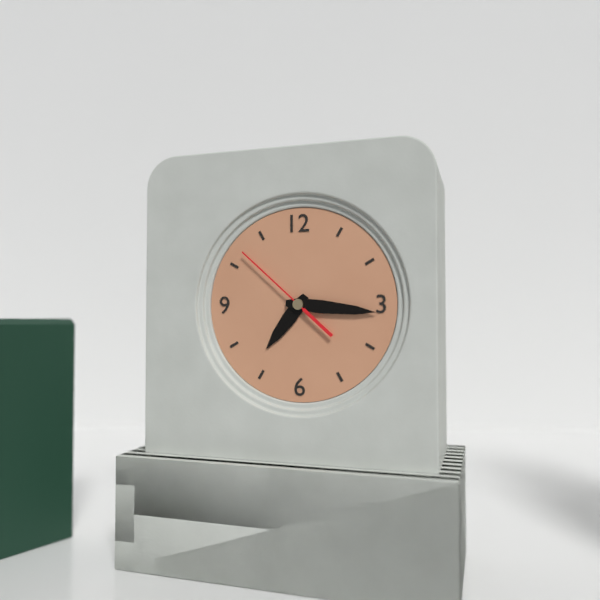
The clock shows 7h16m52s
